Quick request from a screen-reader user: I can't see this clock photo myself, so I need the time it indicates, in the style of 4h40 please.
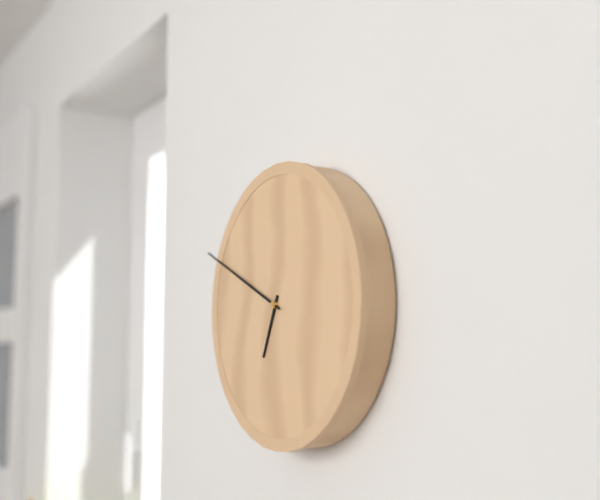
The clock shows 6h49
